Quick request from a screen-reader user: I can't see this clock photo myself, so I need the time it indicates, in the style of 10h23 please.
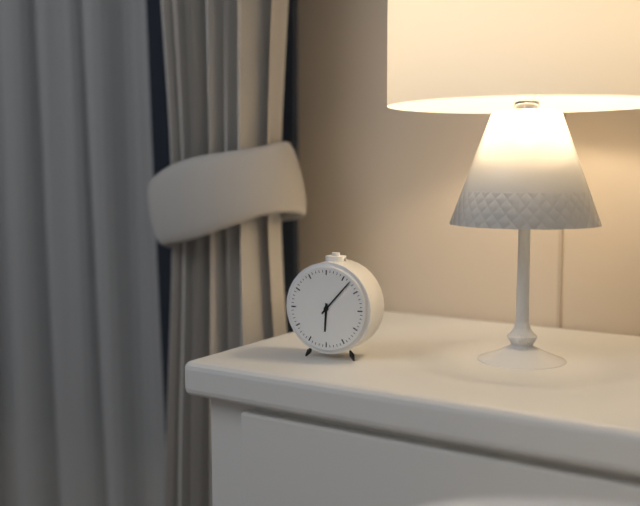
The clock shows 6h07
